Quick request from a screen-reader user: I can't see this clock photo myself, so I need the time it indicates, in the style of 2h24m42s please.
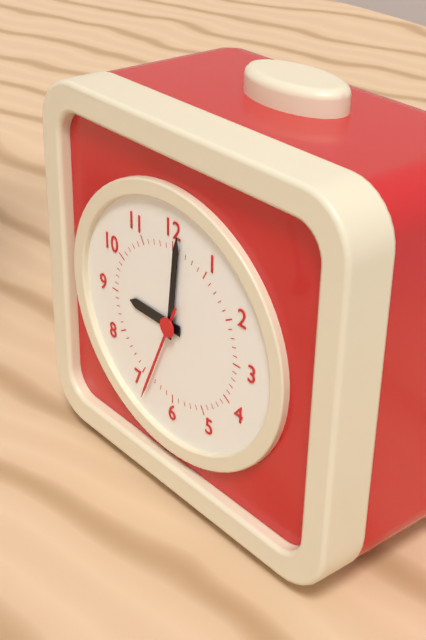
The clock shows 9h01m34s
